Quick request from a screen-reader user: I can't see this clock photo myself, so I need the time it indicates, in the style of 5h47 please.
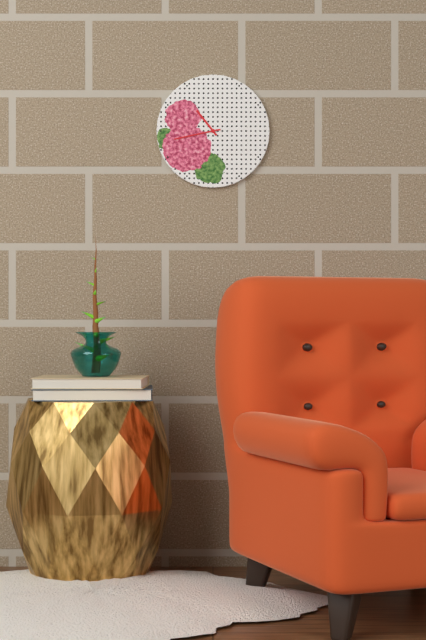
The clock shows 10h43
